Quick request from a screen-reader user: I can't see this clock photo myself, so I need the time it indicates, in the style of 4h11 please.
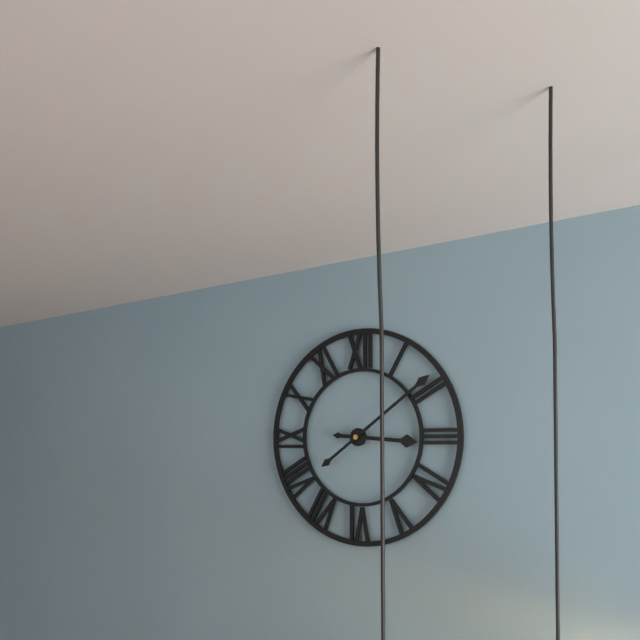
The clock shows 3h09
